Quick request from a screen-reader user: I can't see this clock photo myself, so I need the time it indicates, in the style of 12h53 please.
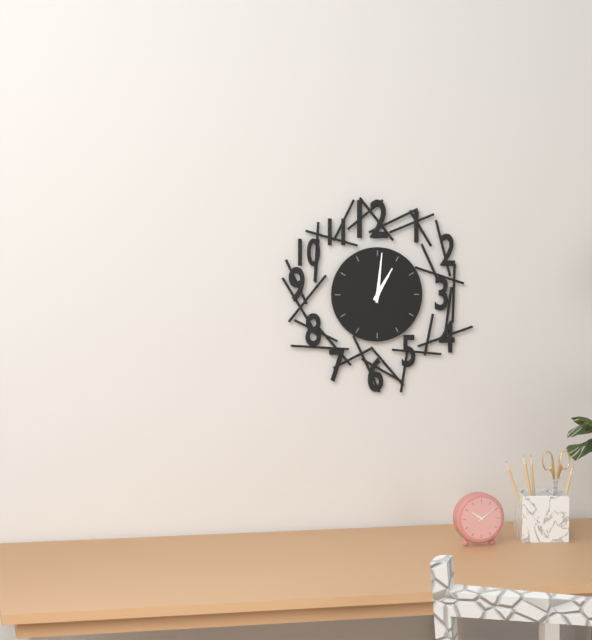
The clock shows 1h01
